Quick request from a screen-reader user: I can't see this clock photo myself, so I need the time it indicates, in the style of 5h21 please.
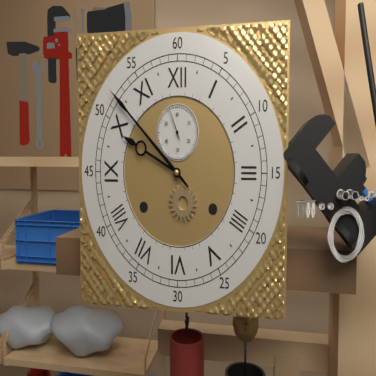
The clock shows 9h52
